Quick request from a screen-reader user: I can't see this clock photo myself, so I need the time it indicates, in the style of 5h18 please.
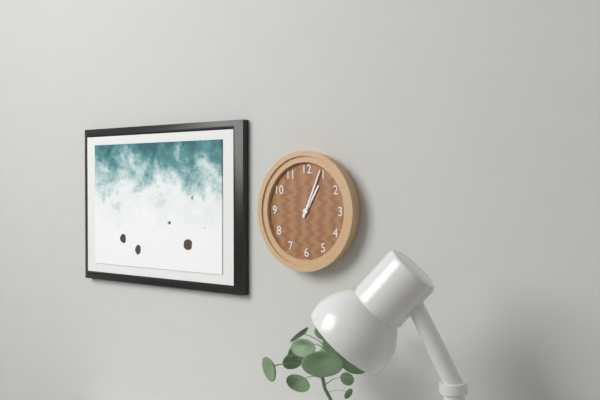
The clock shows 1h04
